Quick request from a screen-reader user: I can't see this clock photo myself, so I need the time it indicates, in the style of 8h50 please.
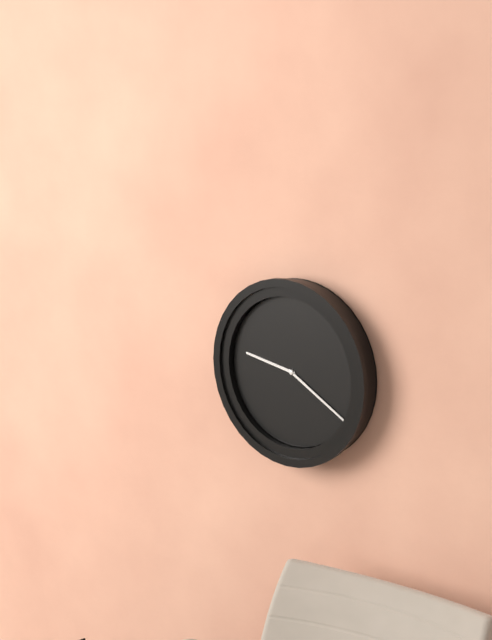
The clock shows 9h20
